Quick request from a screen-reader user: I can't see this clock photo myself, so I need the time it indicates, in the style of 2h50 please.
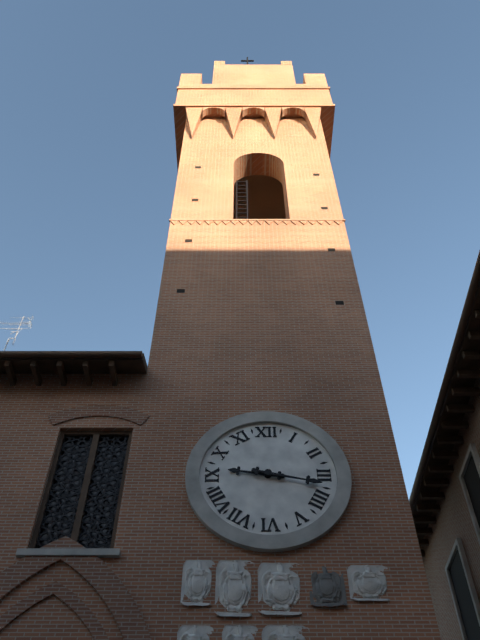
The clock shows 9h17
